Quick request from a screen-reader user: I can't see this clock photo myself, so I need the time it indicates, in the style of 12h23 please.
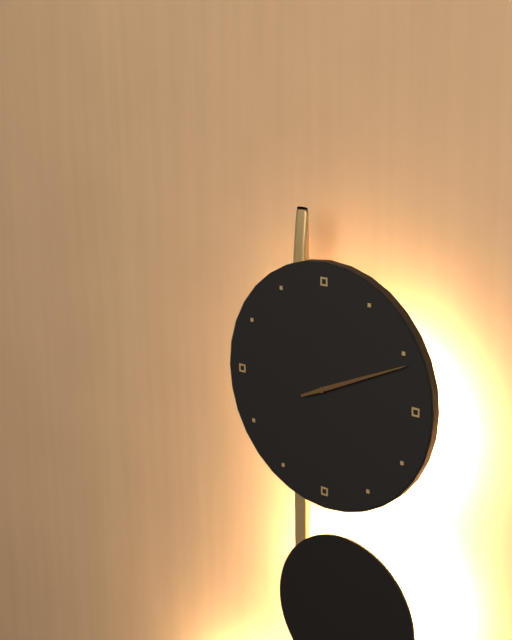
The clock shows 2h11
